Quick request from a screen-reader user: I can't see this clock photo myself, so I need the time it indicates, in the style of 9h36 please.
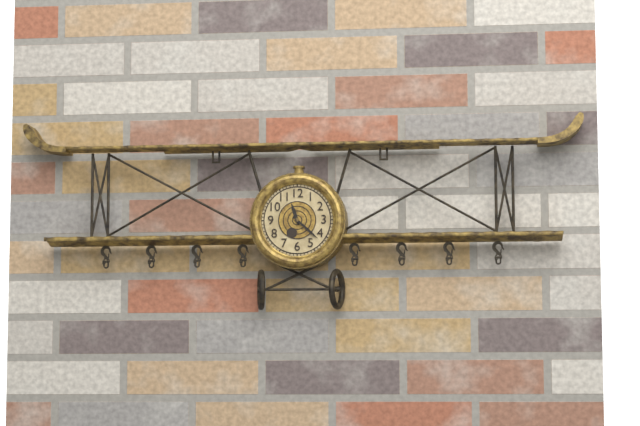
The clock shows 11h22
